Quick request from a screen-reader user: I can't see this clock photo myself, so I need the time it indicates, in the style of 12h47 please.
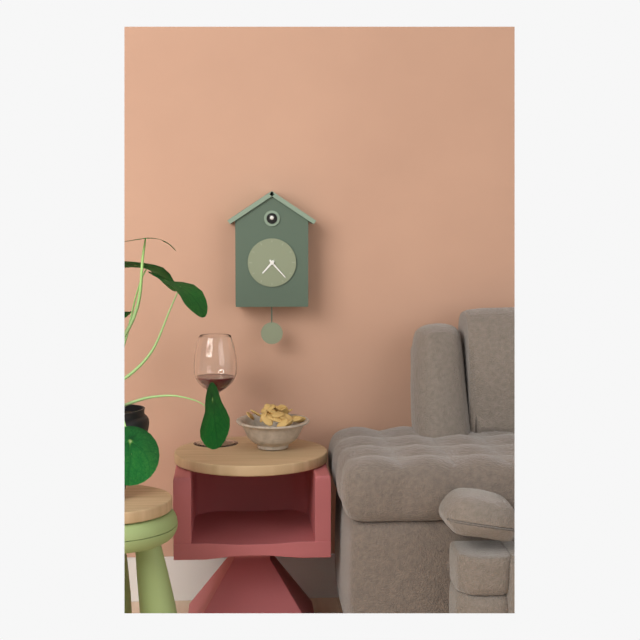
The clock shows 7h23
